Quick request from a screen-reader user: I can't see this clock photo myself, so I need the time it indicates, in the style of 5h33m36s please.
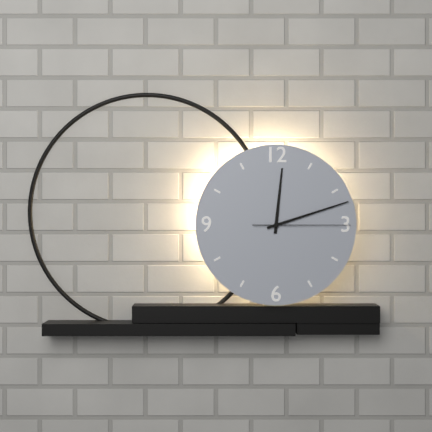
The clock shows 12h12m15s
